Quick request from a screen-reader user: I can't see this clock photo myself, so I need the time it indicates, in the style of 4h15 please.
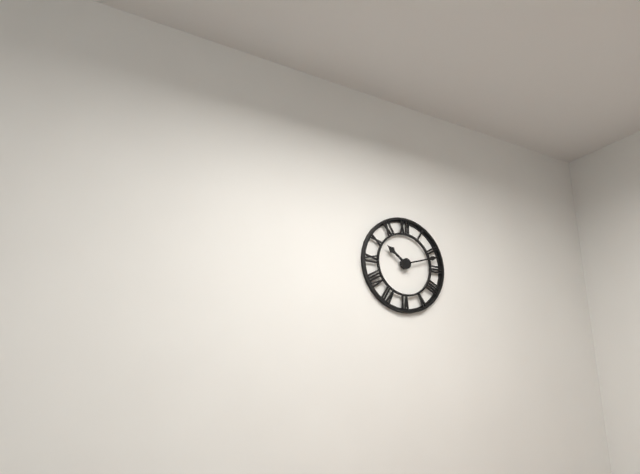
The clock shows 10h12
